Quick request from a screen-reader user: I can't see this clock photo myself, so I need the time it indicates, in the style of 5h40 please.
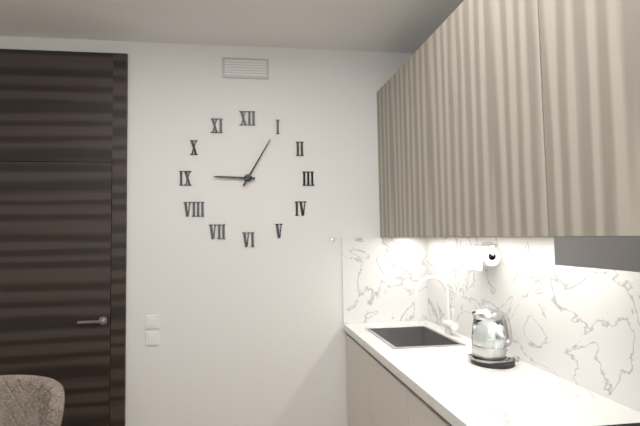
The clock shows 9h05
